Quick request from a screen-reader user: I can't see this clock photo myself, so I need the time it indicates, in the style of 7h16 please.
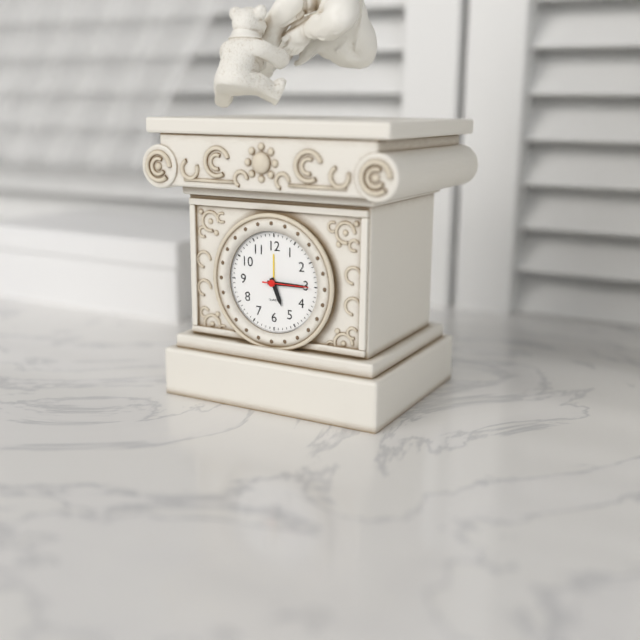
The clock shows 5h15
